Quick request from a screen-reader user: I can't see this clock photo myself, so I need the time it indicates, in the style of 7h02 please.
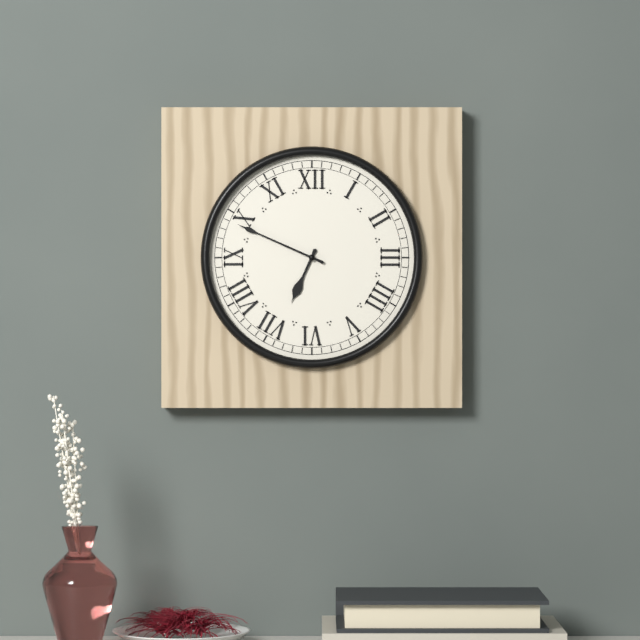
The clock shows 6h49
